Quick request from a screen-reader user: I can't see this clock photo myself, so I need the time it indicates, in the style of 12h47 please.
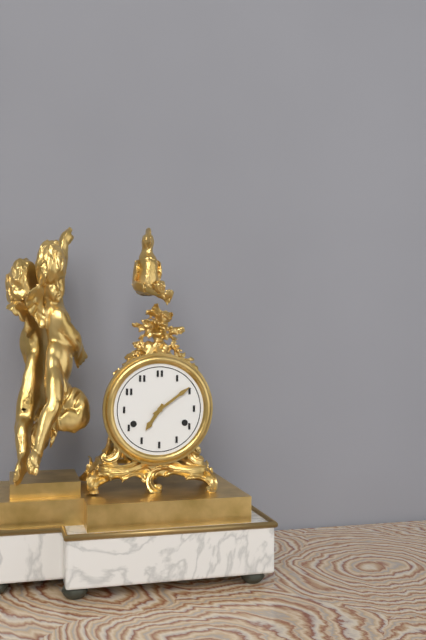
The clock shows 7h09
